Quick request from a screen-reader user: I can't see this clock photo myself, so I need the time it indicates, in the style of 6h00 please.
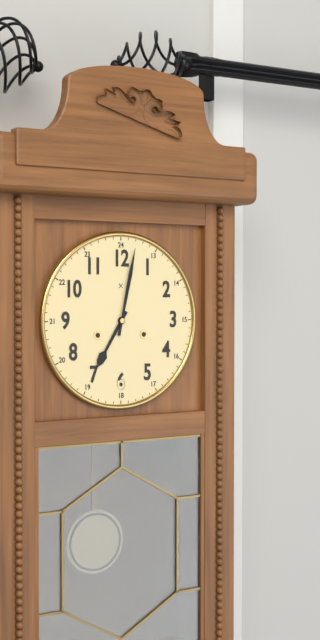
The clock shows 7h02
